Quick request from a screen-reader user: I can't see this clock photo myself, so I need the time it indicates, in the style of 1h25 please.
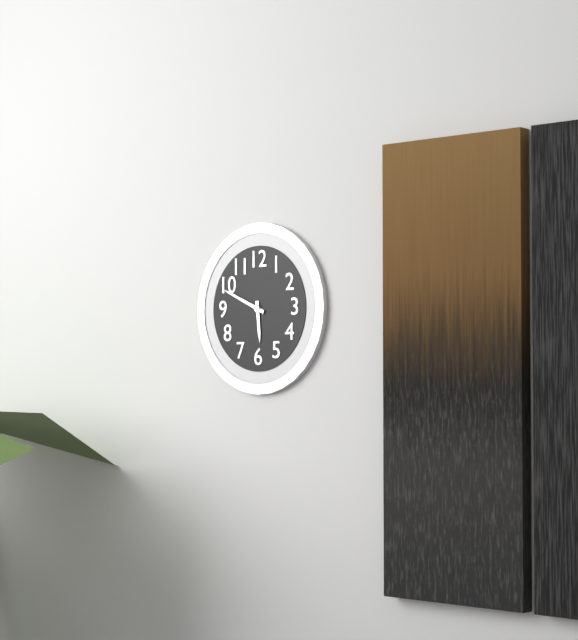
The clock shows 5h49
